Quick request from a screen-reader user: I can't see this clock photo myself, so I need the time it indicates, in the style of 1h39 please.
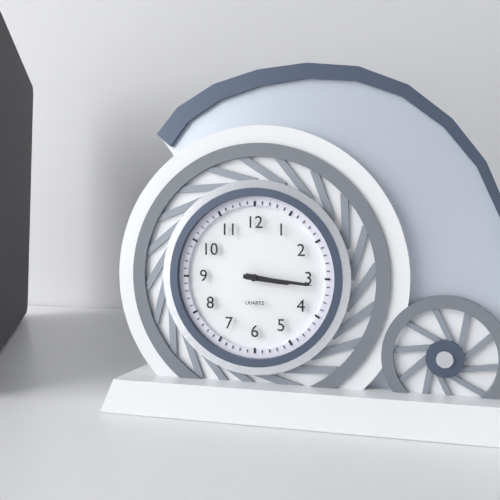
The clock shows 3h16
